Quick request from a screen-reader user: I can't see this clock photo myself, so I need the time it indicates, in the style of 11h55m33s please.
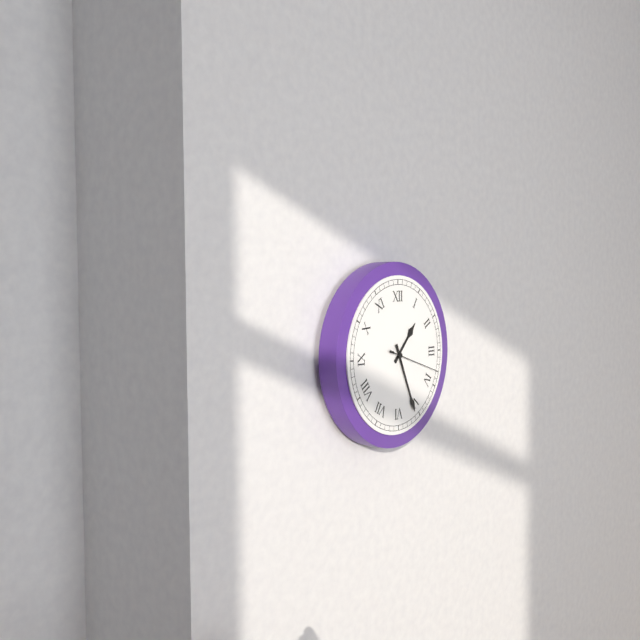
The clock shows 1h26m18s
